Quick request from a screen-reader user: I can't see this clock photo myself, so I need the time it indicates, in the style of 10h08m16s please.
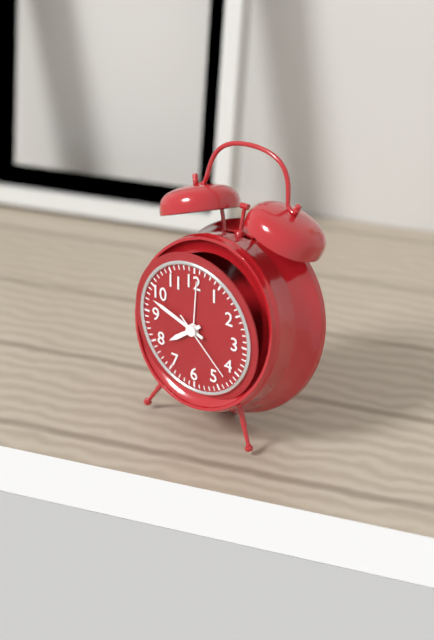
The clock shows 7h48m22s
